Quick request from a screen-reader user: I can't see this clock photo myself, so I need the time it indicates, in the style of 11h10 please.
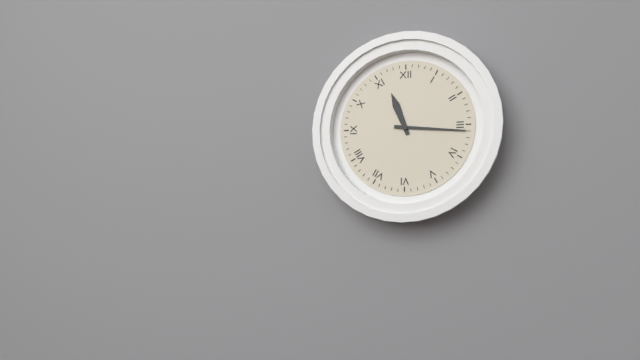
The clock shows 11h16
